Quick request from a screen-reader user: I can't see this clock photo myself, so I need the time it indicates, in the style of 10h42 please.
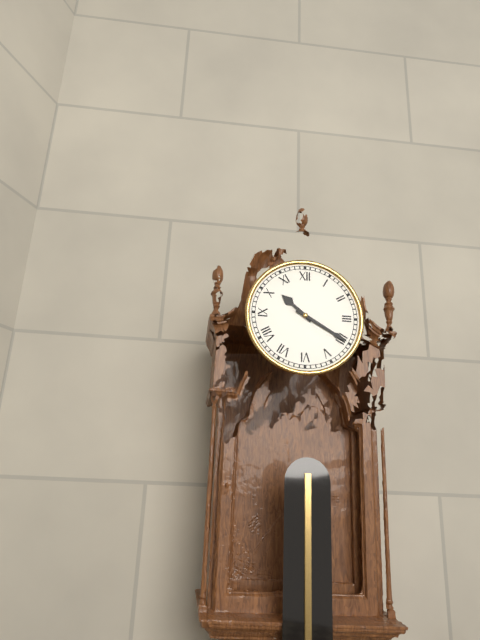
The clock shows 10h20
